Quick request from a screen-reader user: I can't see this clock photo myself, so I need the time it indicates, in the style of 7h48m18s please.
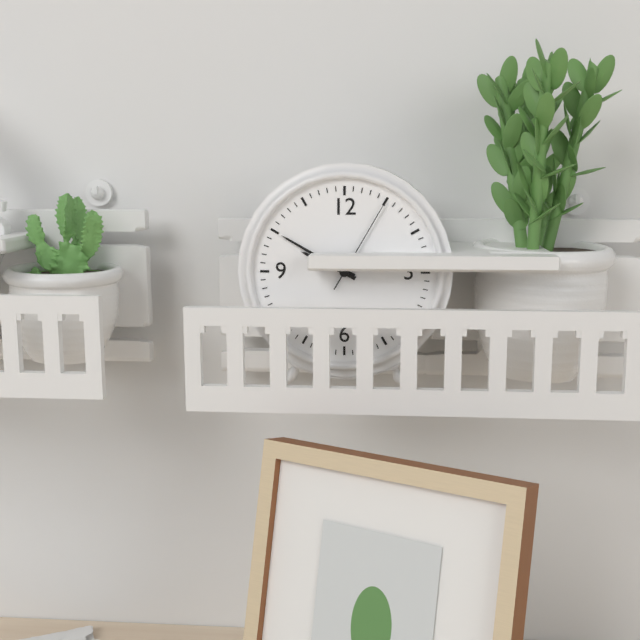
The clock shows 9h50m05s
